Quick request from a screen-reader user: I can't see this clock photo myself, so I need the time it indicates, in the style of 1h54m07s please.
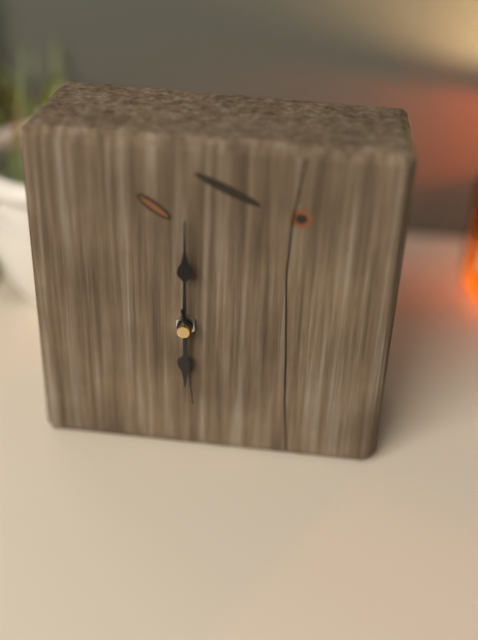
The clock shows 6h00m29s
